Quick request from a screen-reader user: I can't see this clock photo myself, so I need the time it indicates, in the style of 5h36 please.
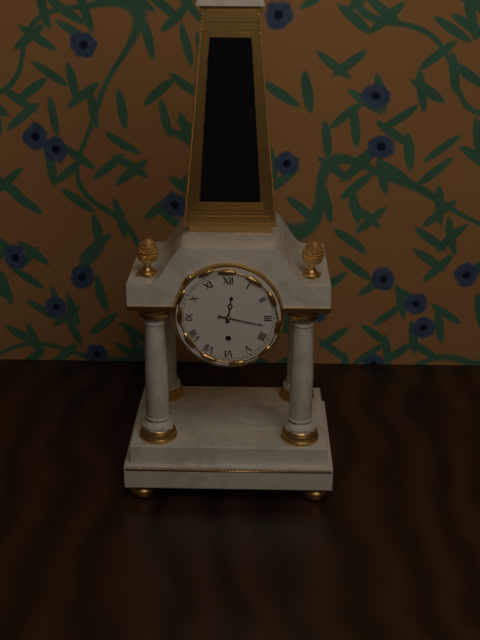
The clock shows 12h17
